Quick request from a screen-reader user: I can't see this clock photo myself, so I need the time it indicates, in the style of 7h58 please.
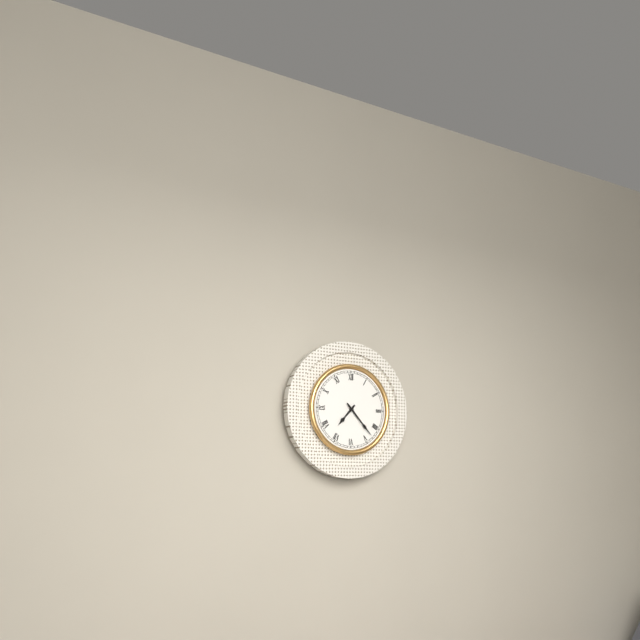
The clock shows 7h23
